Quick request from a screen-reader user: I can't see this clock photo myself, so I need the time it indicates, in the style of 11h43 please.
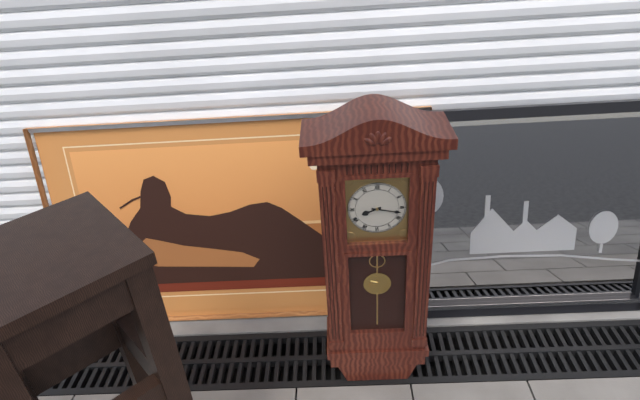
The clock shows 8h17
